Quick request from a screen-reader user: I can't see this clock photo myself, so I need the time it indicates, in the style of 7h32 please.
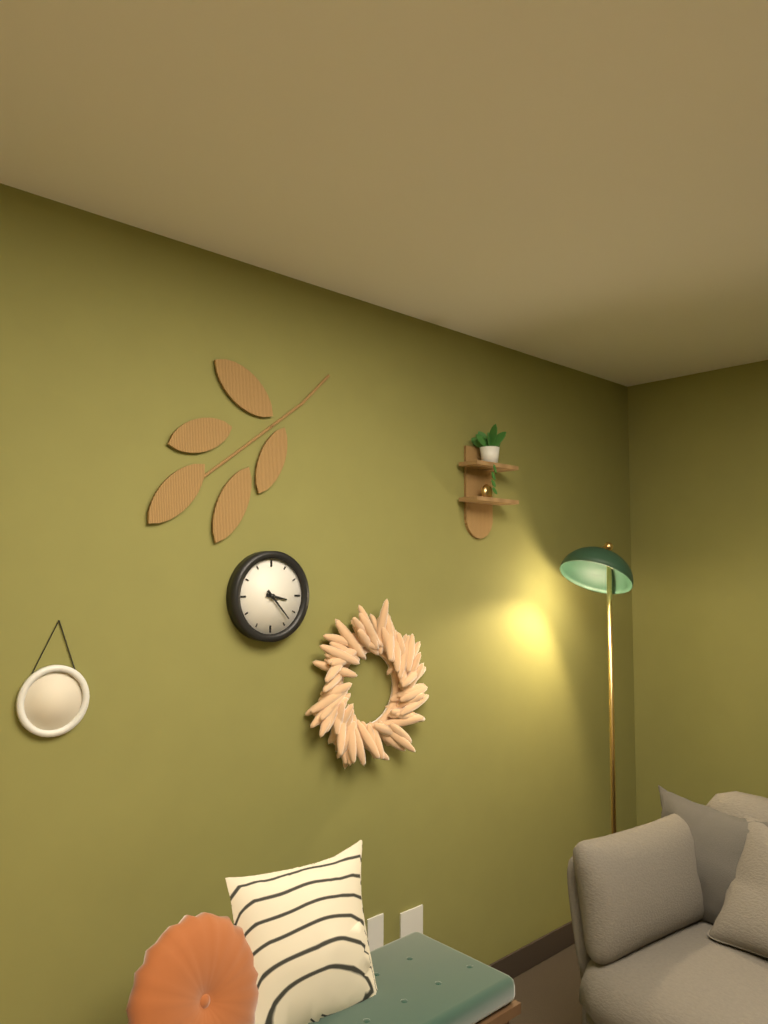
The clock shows 3h23
